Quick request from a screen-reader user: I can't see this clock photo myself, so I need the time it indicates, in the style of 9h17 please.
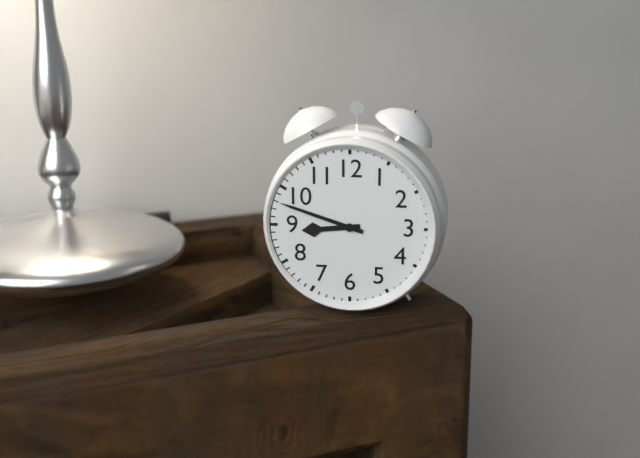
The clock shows 8h48
